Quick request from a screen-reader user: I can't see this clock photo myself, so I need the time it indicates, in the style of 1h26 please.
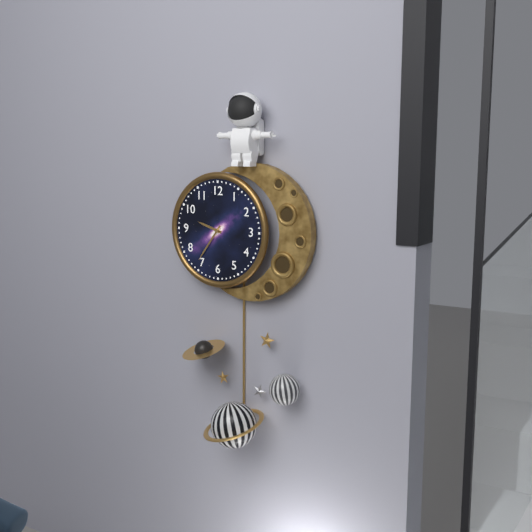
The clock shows 9h36
